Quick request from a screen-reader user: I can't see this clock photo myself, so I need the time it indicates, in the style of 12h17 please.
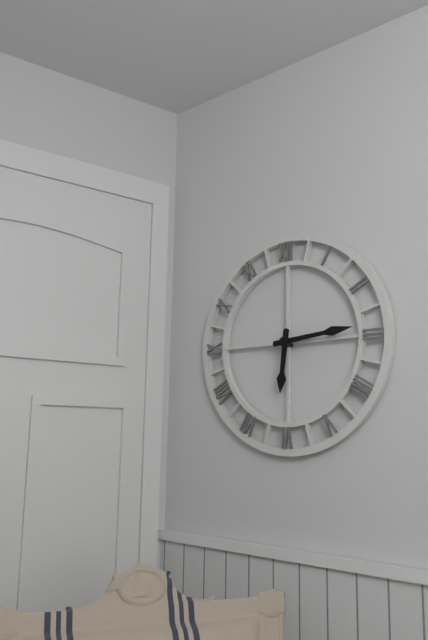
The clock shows 6h14
